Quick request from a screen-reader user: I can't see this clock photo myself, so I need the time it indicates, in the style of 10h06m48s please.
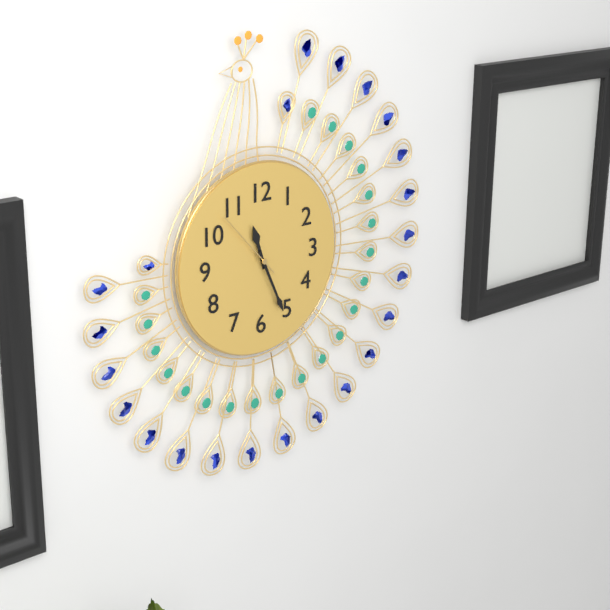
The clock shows 11h26m53s
